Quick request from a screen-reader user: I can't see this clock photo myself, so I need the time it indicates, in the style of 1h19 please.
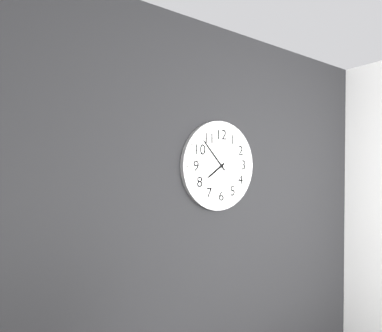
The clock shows 7h53
